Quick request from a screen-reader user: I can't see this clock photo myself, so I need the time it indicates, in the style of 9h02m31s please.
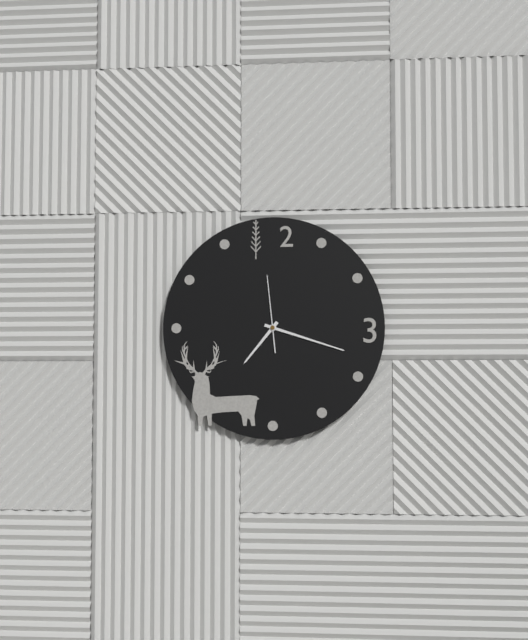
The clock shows 7h18m59s
